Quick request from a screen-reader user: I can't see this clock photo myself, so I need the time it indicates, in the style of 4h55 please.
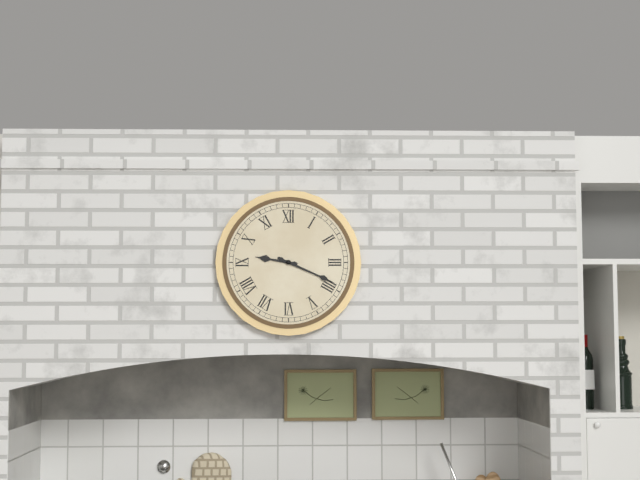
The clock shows 9h19
